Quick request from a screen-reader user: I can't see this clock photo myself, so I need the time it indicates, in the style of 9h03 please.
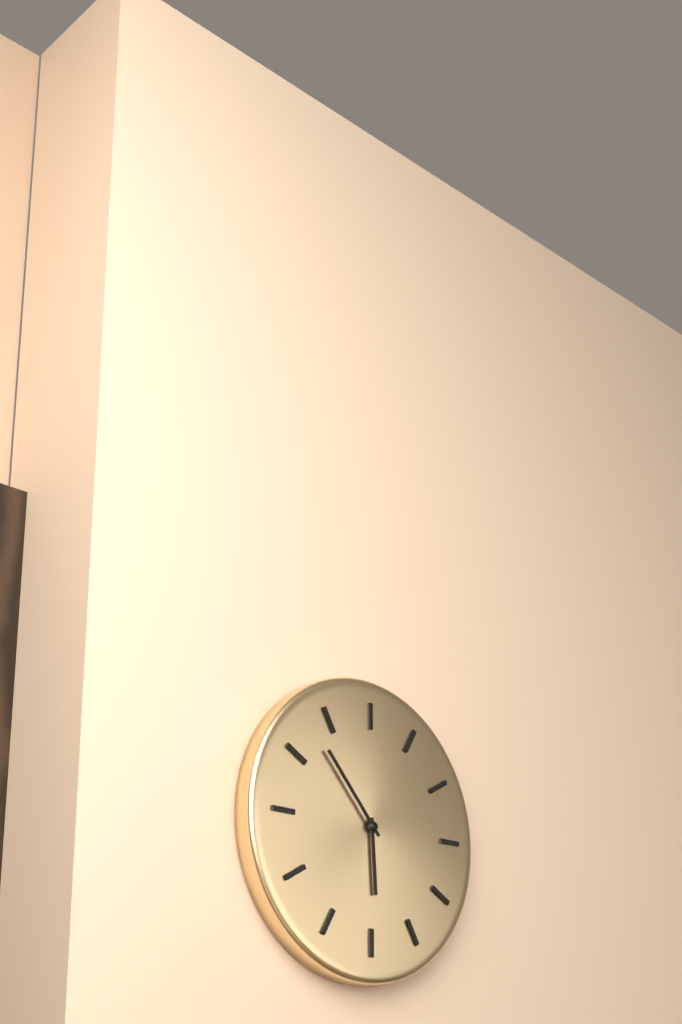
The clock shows 5h53
